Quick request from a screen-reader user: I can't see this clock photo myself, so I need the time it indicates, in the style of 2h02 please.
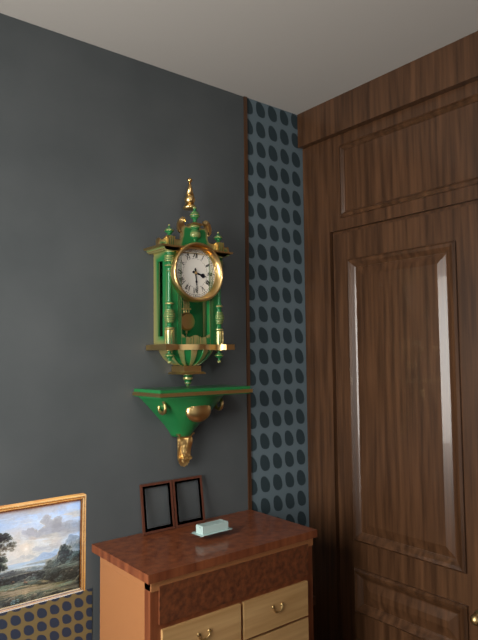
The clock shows 3h29
